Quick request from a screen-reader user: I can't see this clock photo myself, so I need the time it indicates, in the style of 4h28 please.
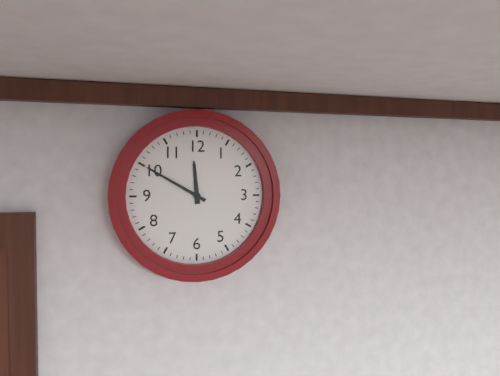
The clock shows 11h50
